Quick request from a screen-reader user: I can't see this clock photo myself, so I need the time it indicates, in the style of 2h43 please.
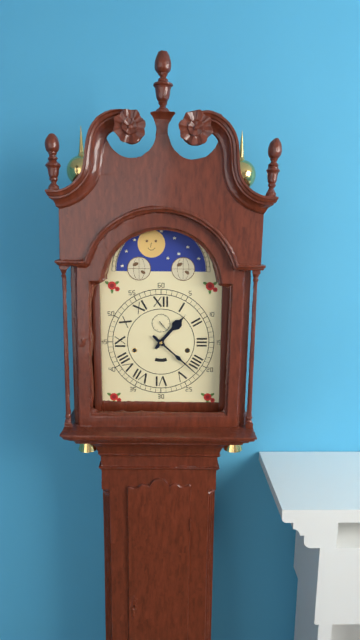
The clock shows 1h22
